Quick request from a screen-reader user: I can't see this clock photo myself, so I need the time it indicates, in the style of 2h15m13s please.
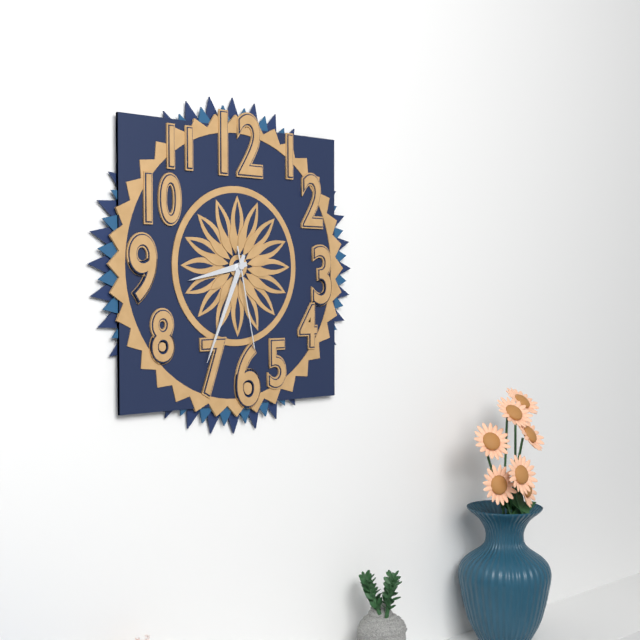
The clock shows 8h34m28s
